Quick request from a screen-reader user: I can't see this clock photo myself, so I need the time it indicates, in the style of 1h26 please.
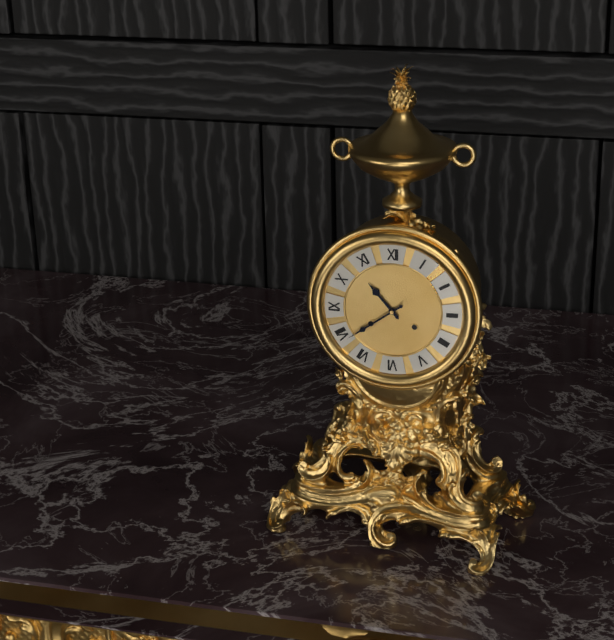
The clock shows 10h39
